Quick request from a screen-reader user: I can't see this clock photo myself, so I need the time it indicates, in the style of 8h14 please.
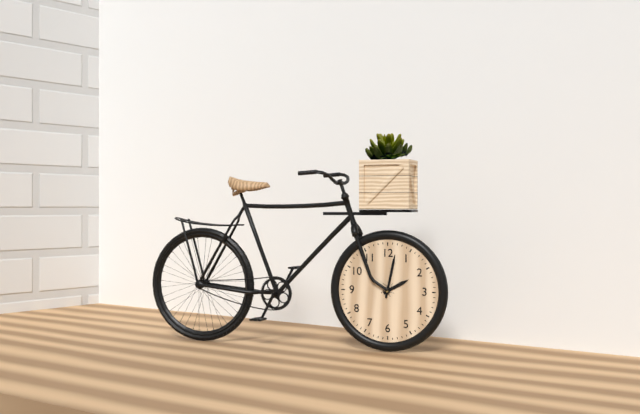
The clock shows 2h02
